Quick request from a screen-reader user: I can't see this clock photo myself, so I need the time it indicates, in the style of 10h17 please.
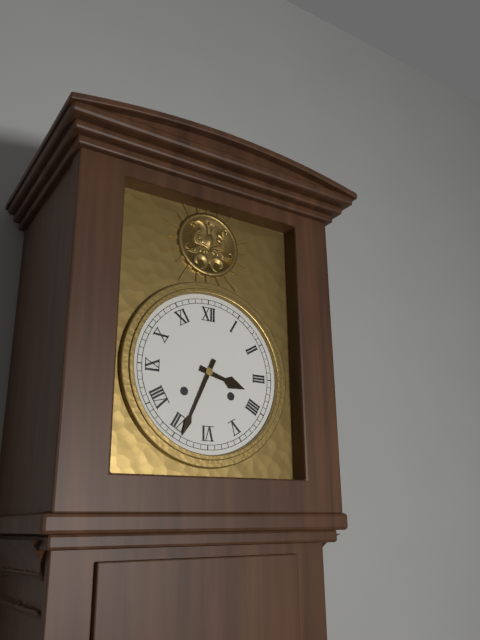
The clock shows 3h34
